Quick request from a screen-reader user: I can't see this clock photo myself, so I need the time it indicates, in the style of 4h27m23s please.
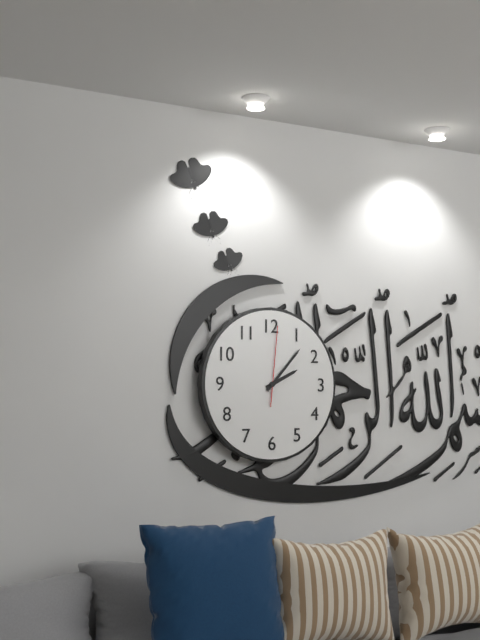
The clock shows 2h07m01s
